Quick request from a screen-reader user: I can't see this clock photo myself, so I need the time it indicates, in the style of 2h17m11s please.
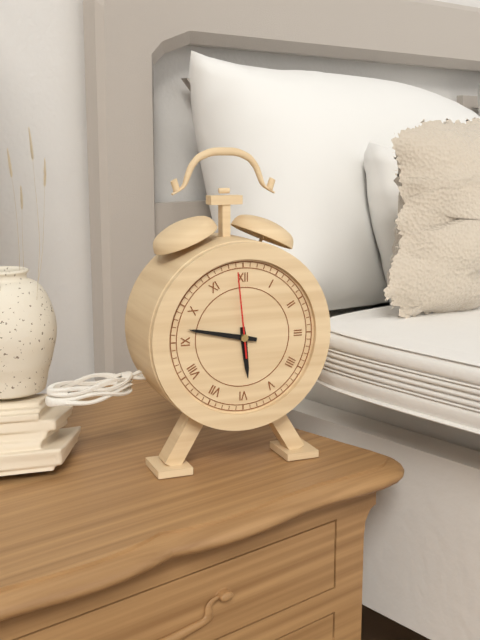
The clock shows 5h47m59s
